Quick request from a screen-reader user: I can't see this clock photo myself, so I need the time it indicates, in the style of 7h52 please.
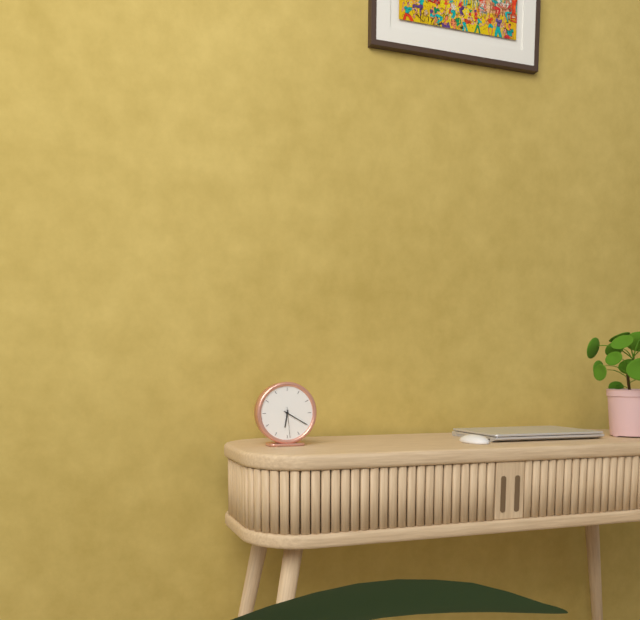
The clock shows 6h20
